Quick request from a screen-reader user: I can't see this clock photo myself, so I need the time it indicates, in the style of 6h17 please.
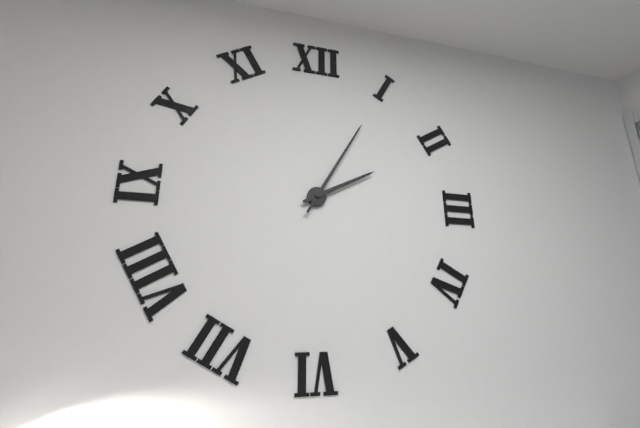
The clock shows 2h05
